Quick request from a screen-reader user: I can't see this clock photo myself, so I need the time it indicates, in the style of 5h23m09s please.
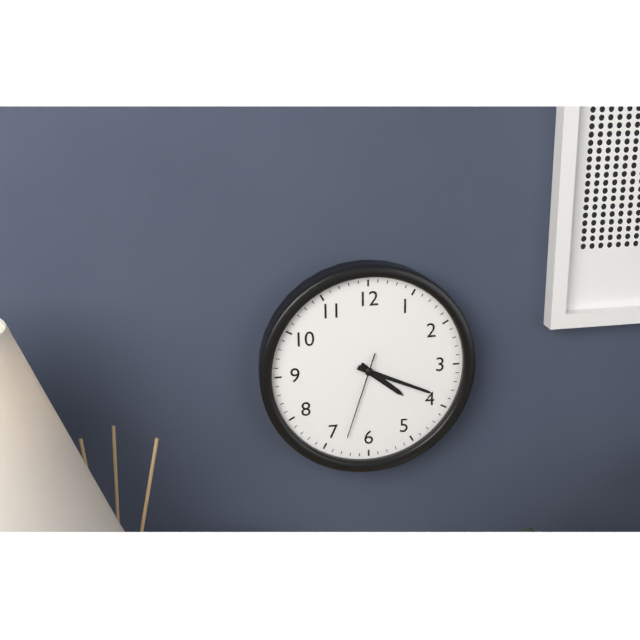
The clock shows 4h19m33s
